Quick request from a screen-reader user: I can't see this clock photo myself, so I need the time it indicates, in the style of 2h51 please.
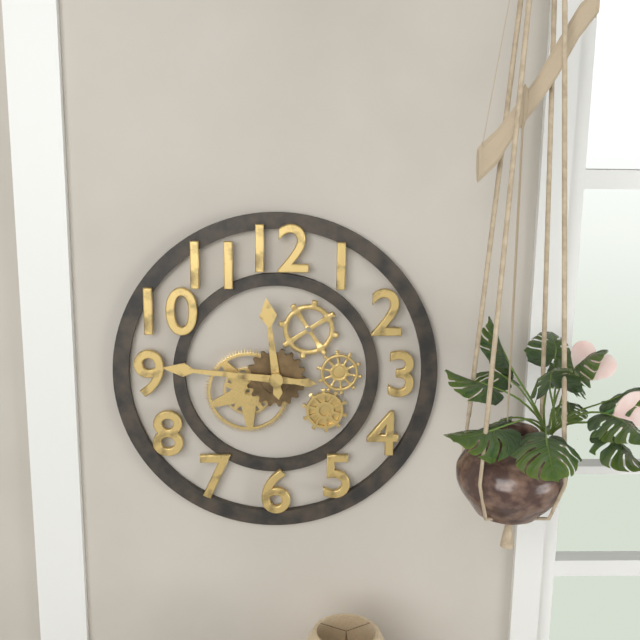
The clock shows 11h46
